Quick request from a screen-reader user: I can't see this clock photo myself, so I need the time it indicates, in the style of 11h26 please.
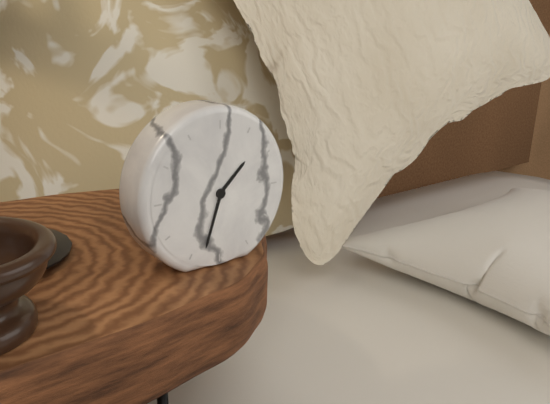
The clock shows 1h33
